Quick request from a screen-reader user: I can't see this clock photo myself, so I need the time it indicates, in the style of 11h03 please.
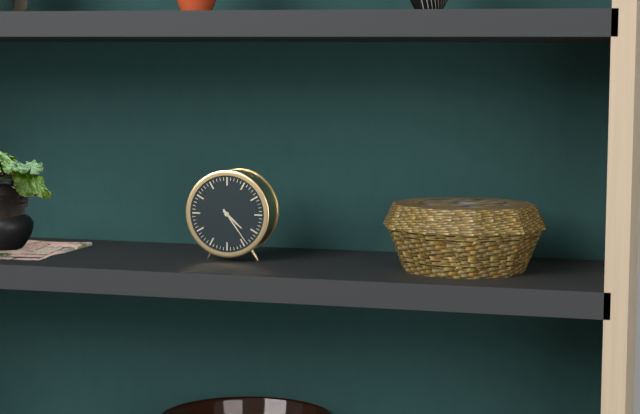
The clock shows 4h24
